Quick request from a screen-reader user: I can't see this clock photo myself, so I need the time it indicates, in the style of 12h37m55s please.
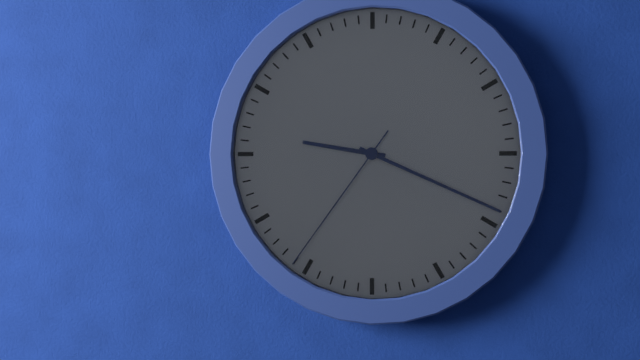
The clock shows 9h19m36s
